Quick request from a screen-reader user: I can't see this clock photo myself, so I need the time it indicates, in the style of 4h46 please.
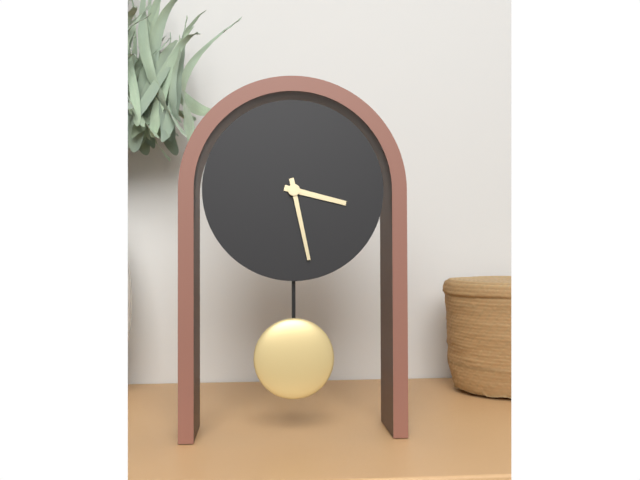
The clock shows 3h28
